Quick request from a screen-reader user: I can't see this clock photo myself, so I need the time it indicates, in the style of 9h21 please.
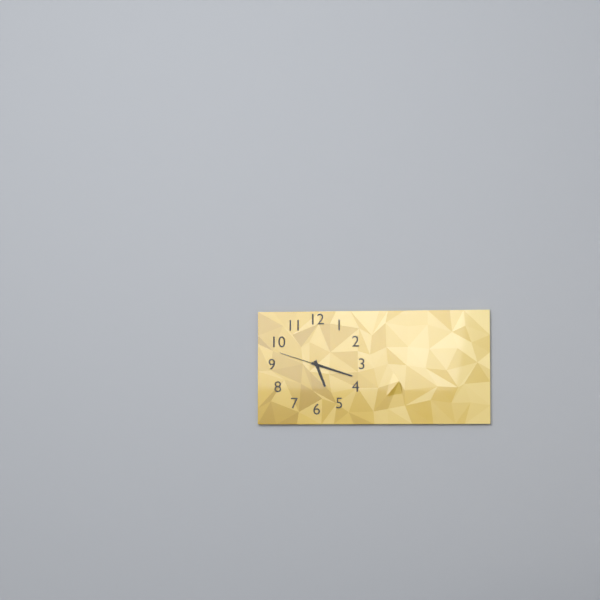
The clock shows 5h18
